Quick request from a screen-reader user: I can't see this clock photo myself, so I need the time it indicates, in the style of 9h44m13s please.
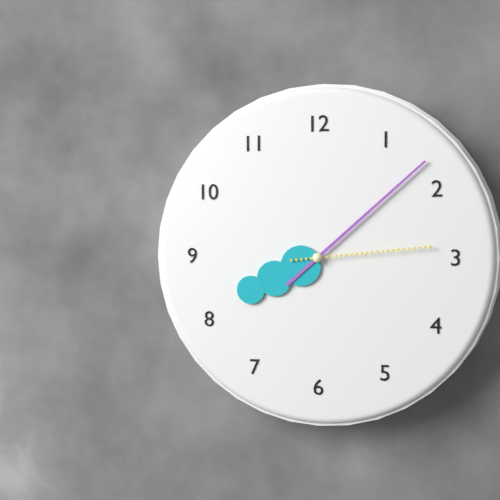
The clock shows 8h08m14s
